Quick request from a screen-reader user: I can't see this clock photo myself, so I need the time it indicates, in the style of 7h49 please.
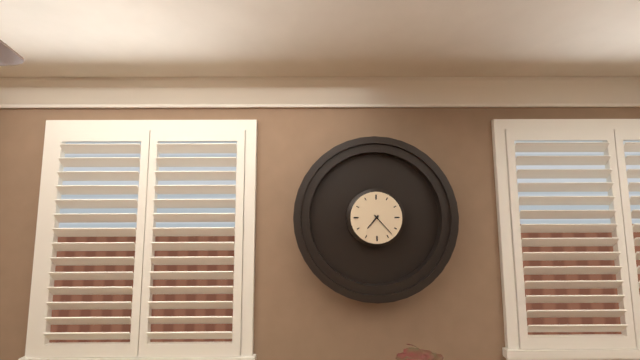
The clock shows 7h23
